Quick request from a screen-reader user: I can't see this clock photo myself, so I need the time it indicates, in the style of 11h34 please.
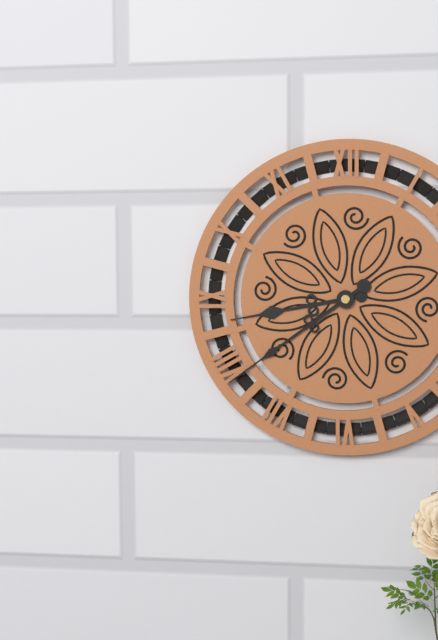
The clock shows 8h39
